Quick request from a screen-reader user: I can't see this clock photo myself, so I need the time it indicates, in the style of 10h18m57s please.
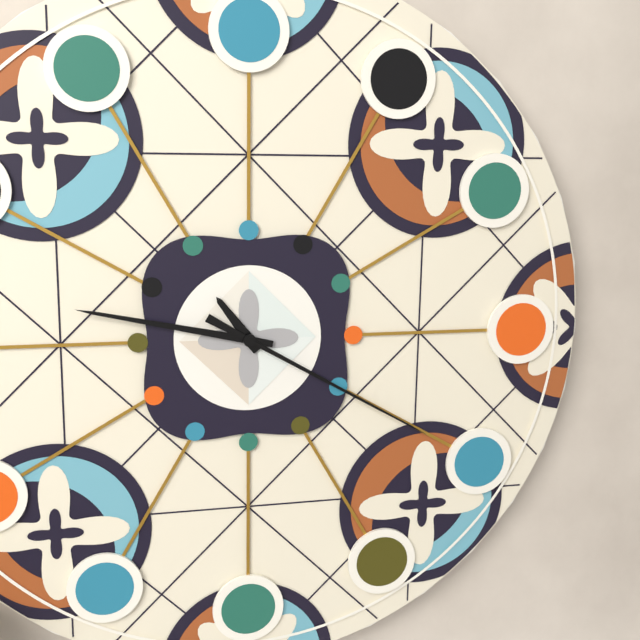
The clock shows 10h47m20s
